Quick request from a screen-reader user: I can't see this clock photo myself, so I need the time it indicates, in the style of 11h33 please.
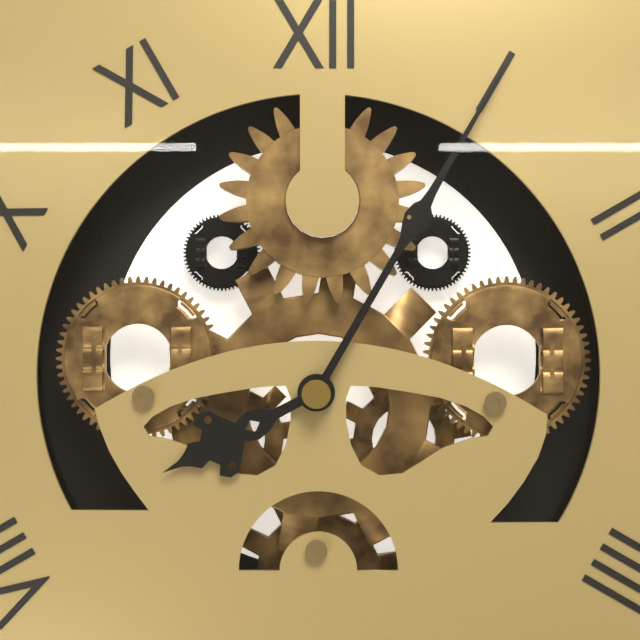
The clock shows 8h05
